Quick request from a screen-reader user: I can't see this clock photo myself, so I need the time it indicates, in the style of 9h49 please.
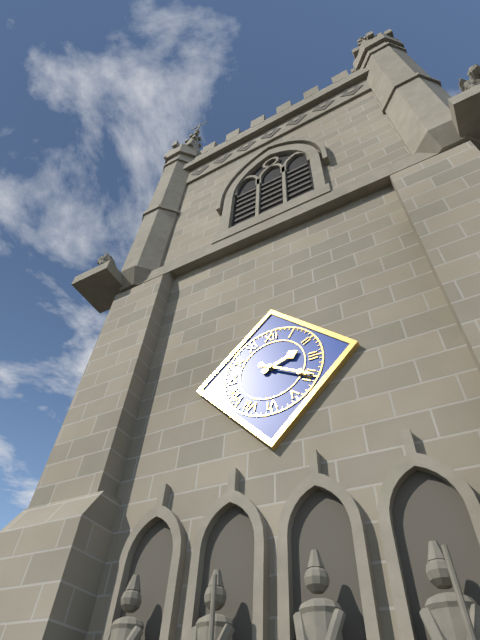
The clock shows 2h20
